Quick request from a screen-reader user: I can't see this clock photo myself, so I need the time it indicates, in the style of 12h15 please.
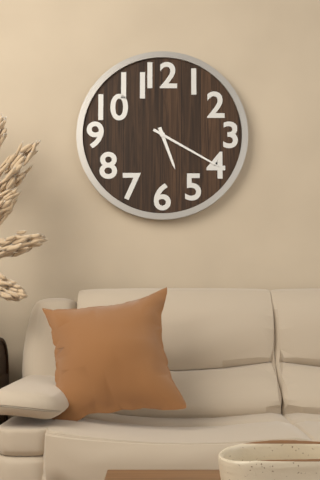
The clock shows 5h20
